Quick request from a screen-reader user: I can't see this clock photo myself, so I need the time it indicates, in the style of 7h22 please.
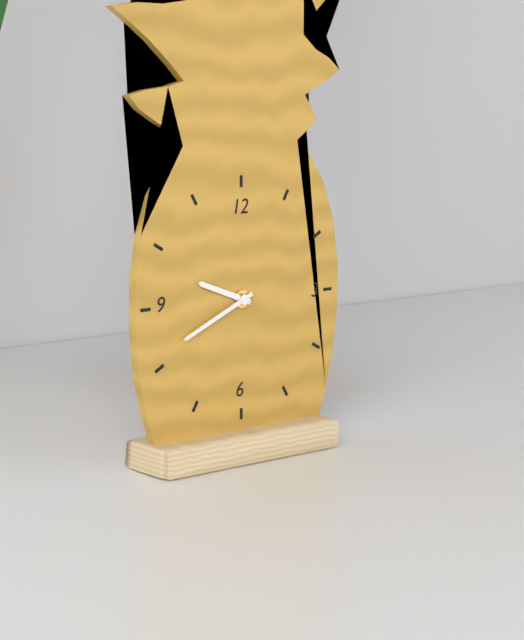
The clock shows 9h41
